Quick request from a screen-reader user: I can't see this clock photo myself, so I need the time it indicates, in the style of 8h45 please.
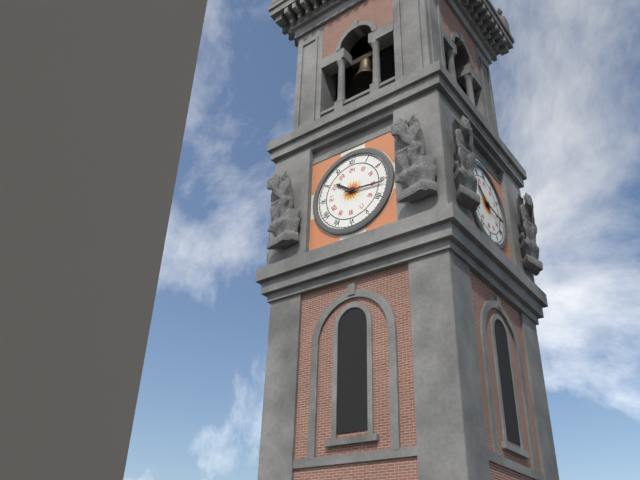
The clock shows 10h16
